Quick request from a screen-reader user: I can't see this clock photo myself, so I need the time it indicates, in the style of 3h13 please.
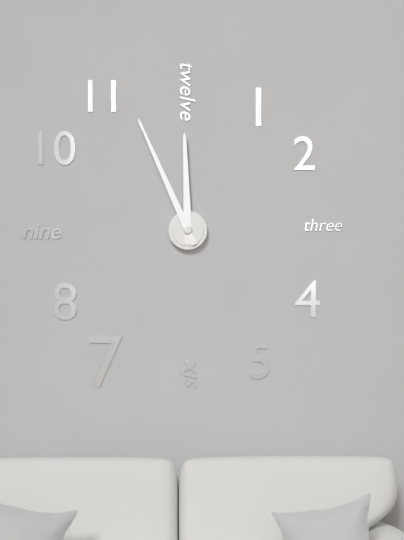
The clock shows 11h56
